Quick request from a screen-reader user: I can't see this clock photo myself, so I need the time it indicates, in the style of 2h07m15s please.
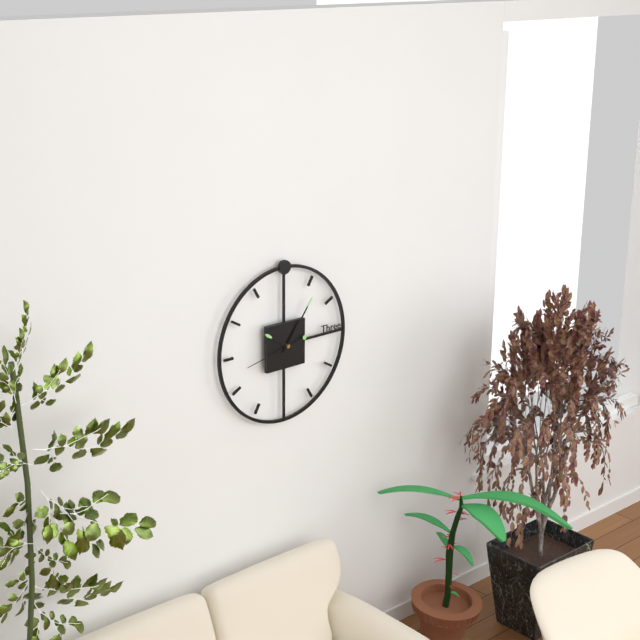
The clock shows 10h06m43s
